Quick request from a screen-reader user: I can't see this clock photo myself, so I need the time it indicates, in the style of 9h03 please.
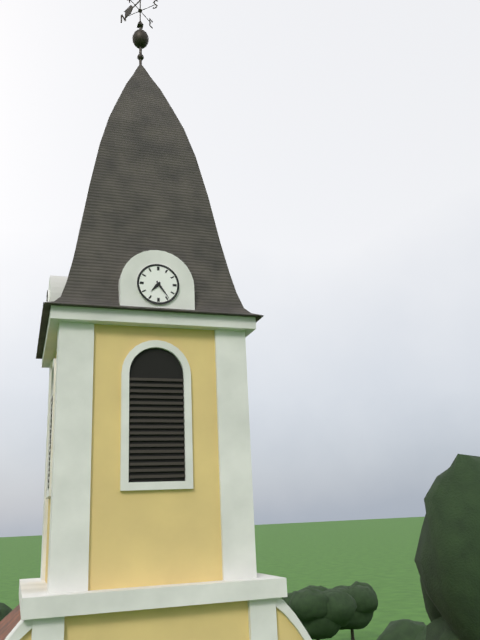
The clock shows 7h24
